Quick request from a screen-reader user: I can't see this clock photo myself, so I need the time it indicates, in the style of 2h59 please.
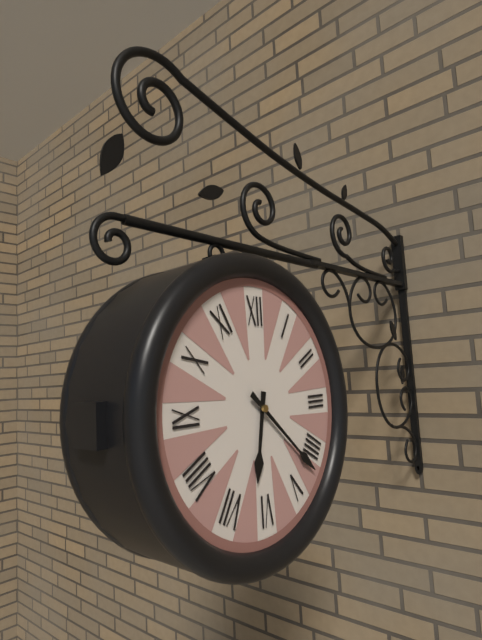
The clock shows 6h22
